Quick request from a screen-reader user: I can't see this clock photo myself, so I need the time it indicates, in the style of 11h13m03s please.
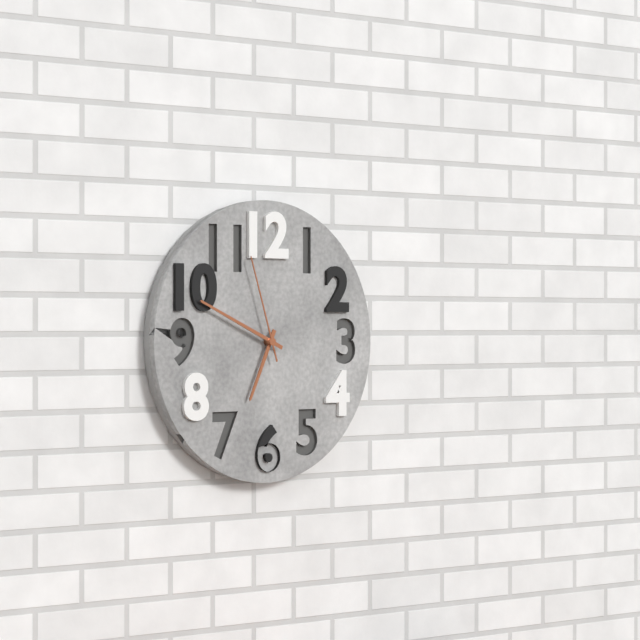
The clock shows 6h49m57s
